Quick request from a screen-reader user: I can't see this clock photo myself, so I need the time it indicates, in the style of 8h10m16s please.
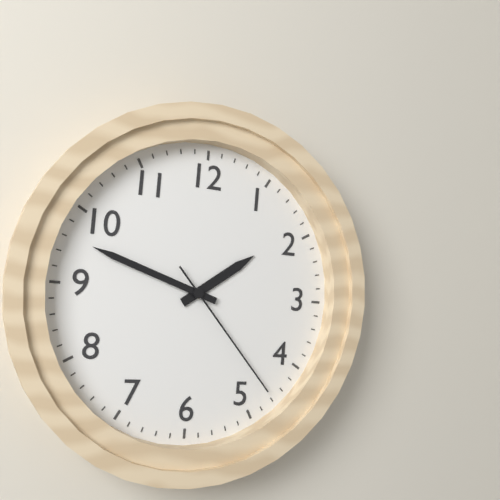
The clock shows 1h48m23s
